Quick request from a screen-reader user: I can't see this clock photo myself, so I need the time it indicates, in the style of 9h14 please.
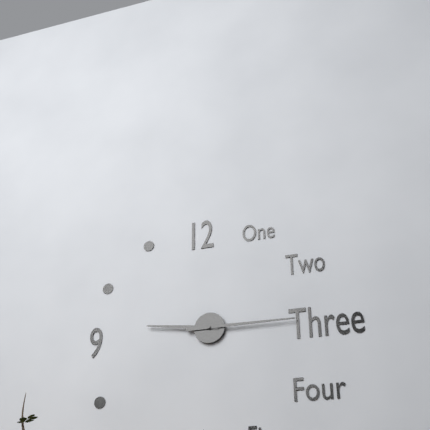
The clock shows 9h15
